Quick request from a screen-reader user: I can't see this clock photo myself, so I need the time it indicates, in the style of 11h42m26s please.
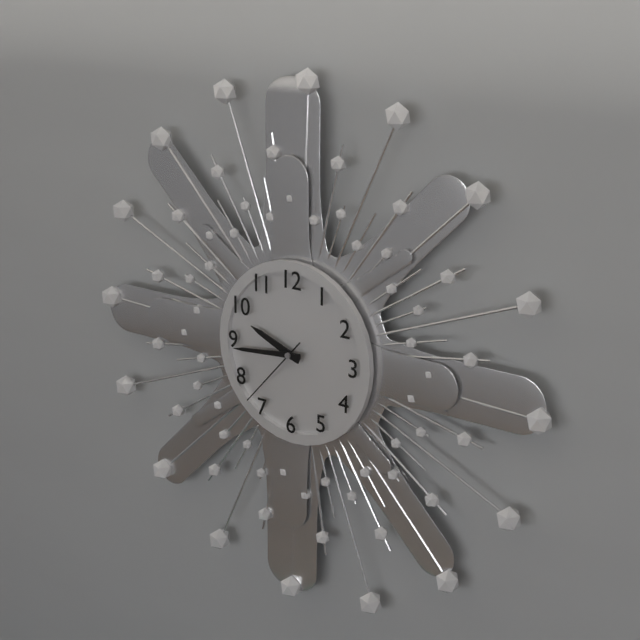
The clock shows 9h44m37s
